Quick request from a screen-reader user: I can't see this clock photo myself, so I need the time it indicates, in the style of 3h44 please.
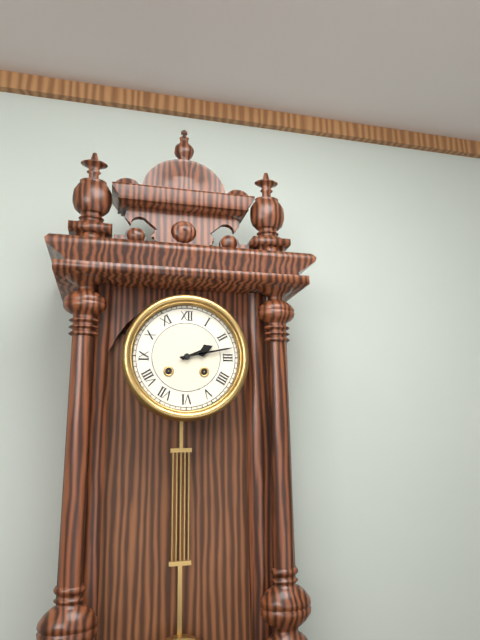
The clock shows 2h13
